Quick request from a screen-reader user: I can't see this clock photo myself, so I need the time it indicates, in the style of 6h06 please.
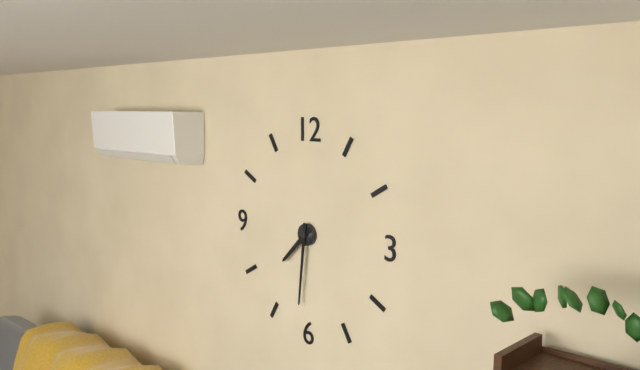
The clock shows 7h31
